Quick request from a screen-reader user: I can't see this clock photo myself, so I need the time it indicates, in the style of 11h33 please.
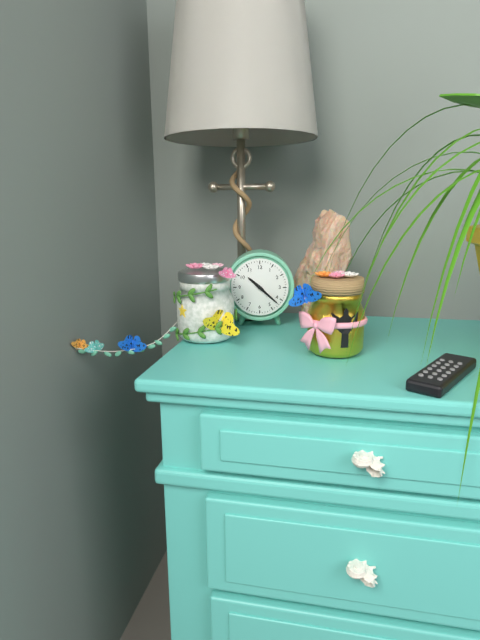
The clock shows 10h22
